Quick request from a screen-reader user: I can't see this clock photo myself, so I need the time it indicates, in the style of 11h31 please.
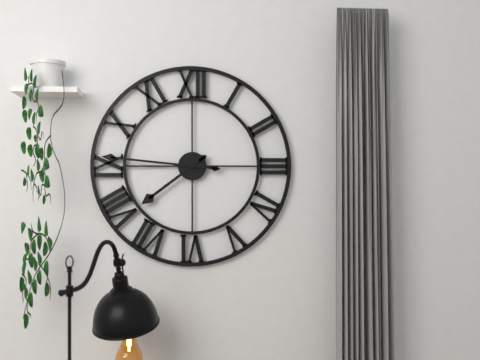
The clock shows 7h46
